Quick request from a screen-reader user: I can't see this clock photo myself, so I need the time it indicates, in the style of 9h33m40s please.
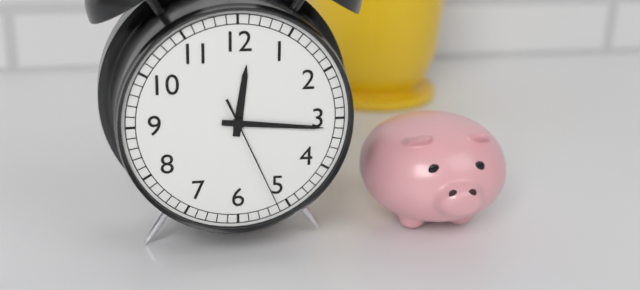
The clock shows 12h16m26s
